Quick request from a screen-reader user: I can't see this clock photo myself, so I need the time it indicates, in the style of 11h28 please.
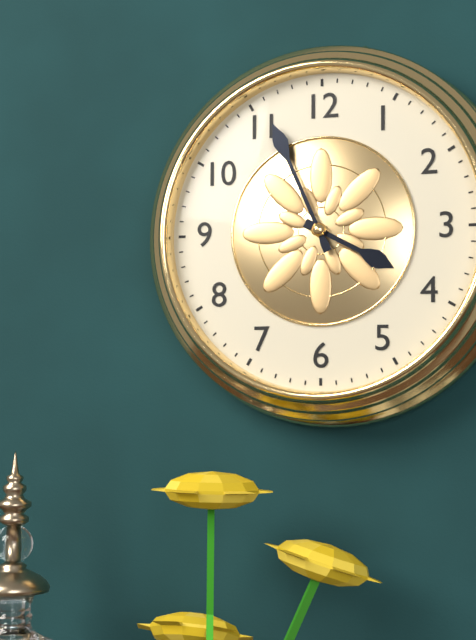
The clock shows 3h56
